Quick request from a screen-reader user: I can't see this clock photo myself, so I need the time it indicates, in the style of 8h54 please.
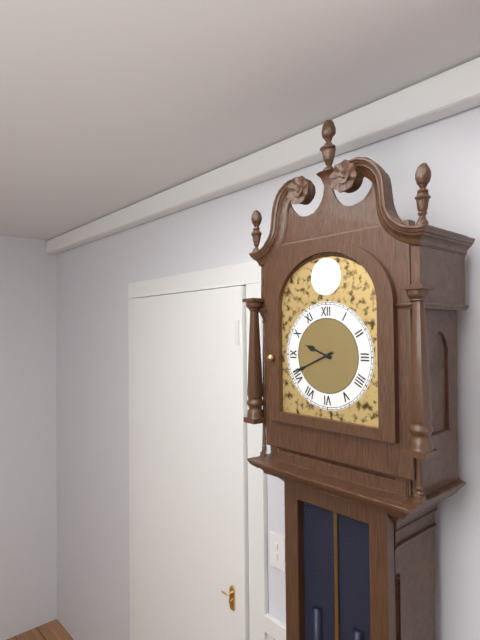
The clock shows 9h41
